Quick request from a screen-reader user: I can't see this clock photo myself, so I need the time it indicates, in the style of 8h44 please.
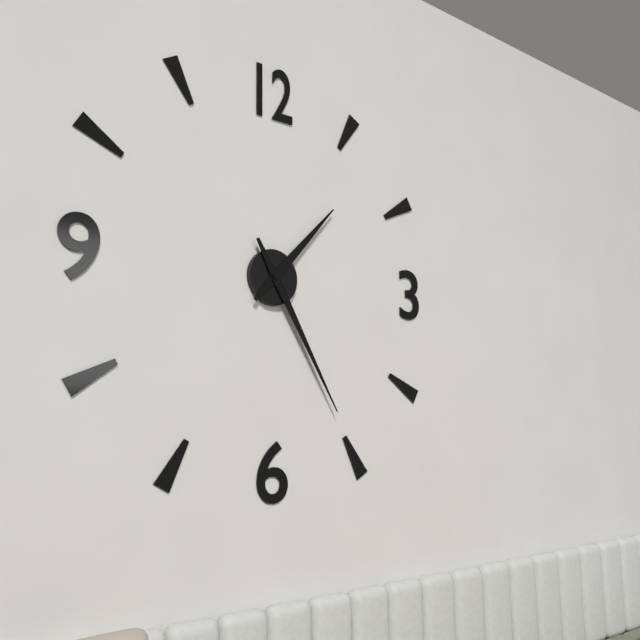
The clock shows 1h25
